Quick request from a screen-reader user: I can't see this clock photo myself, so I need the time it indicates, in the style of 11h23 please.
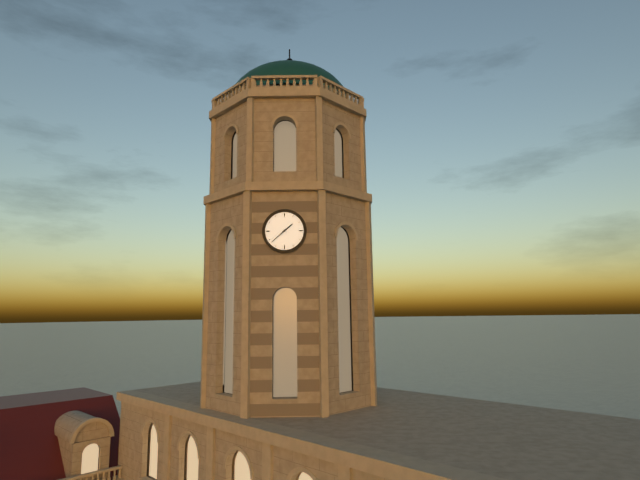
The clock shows 1h38
